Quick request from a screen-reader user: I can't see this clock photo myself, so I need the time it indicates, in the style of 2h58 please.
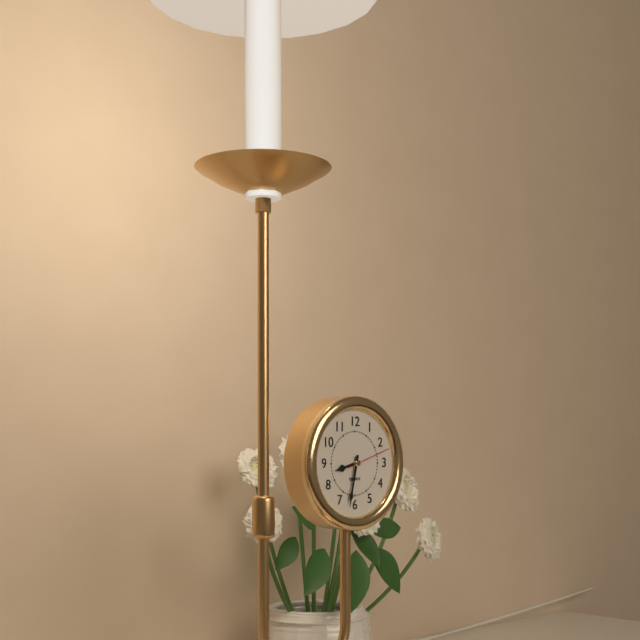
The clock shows 8h32
